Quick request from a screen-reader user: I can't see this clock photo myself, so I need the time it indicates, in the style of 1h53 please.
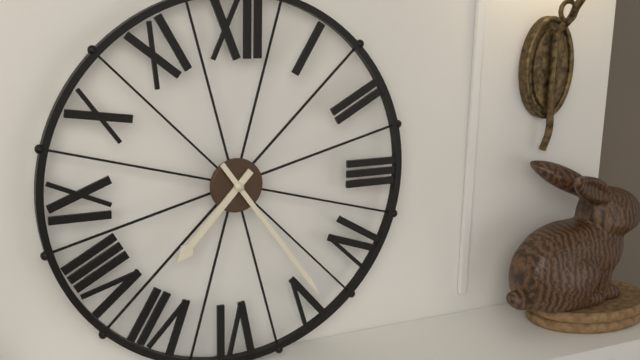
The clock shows 7h24
